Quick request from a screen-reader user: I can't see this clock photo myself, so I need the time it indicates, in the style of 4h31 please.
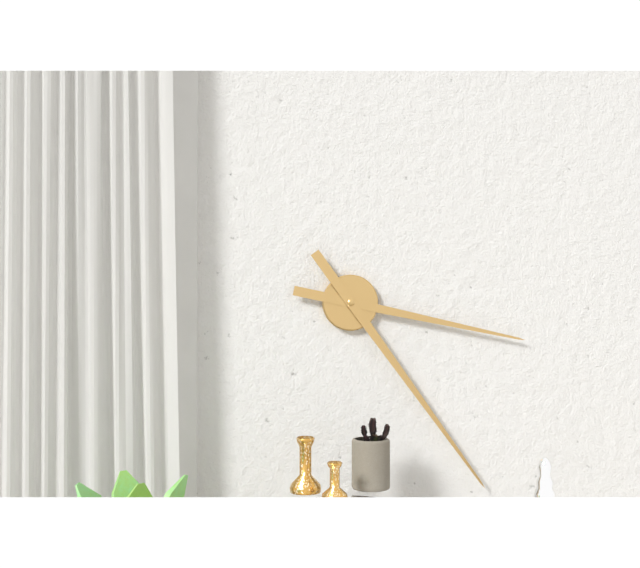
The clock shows 3h24
